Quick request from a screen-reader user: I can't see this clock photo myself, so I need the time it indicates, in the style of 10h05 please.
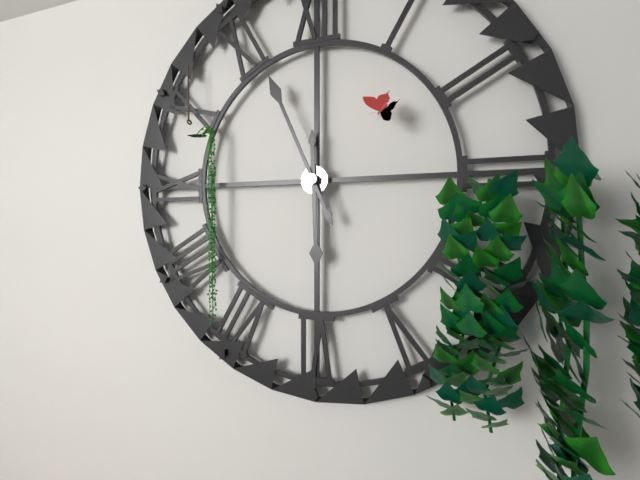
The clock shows 5h56
